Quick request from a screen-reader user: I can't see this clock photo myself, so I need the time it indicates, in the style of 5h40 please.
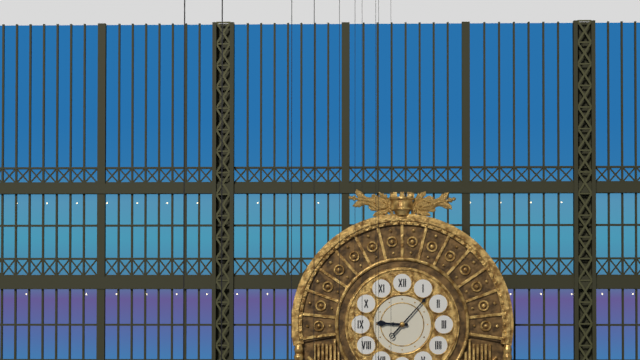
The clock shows 9h07
